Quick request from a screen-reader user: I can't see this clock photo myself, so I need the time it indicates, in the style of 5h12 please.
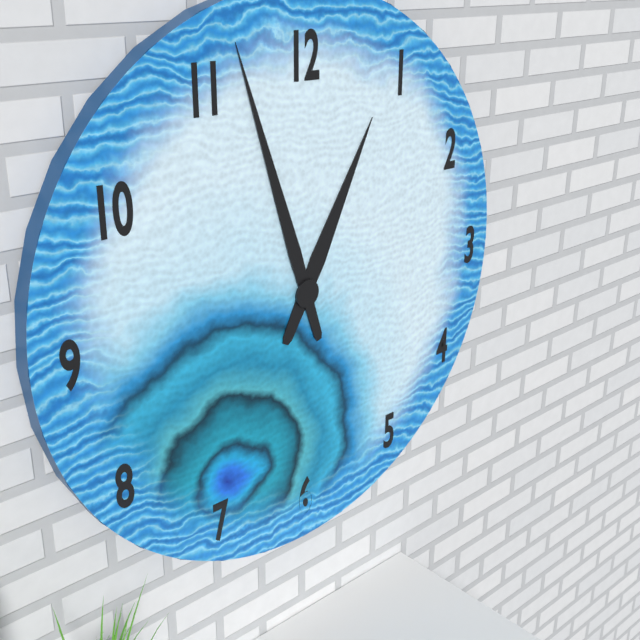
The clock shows 12h57
